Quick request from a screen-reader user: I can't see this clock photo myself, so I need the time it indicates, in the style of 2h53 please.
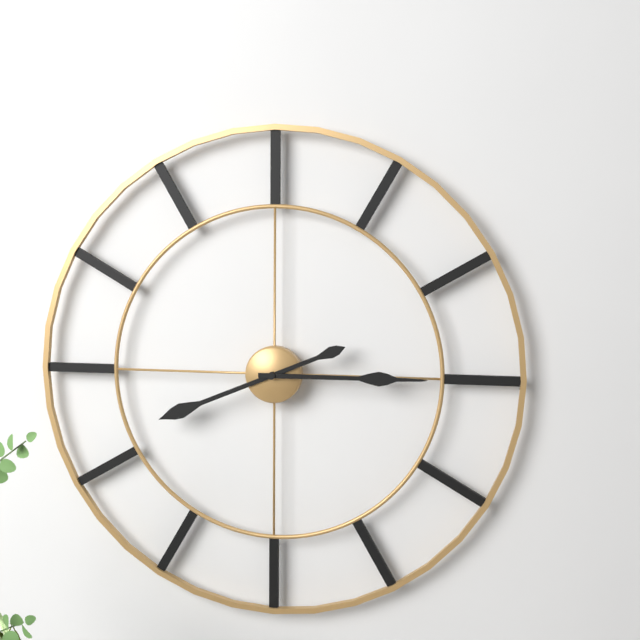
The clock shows 8h15
